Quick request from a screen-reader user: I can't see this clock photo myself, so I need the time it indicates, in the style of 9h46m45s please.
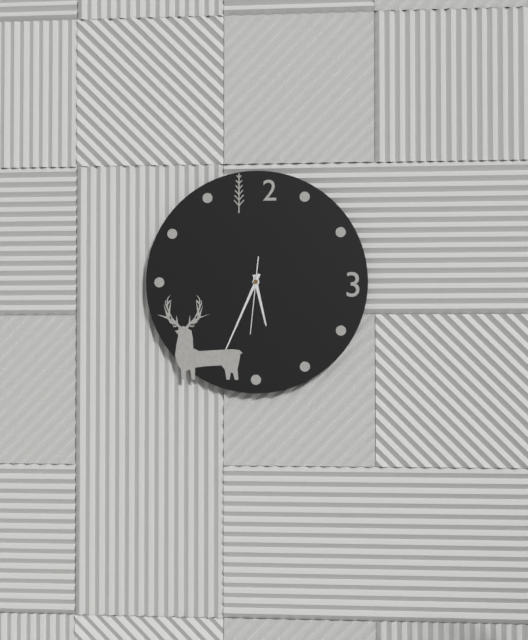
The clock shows 5h34m31s
